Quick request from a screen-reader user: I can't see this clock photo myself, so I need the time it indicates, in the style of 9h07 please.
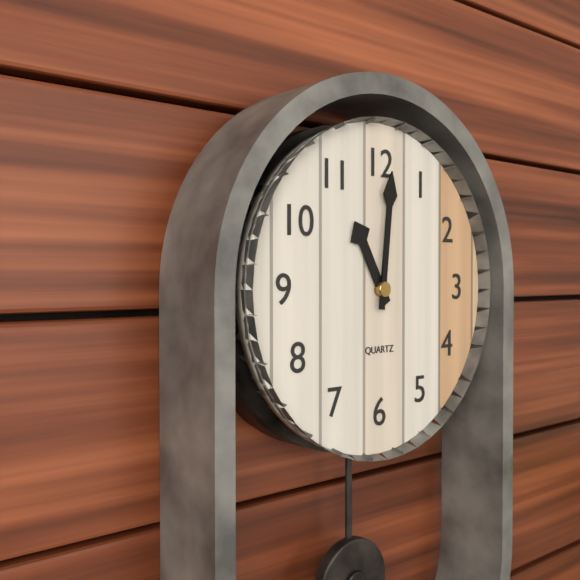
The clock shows 11h01
